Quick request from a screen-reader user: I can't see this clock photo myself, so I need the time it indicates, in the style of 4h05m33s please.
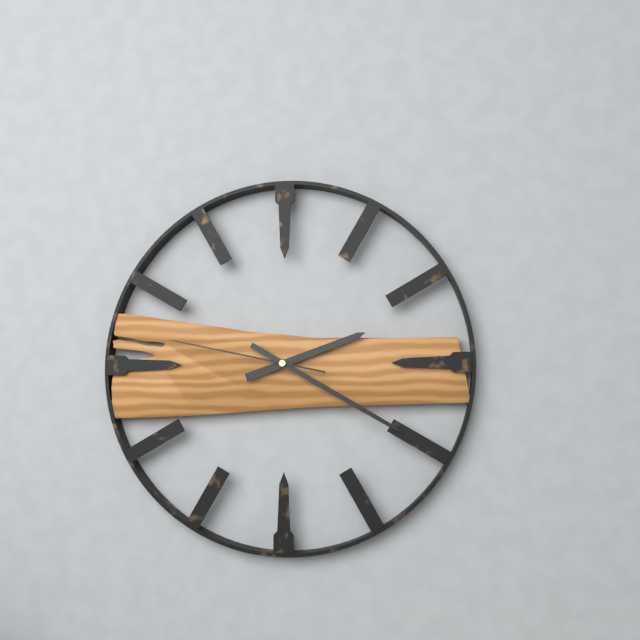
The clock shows 2h20m47s
